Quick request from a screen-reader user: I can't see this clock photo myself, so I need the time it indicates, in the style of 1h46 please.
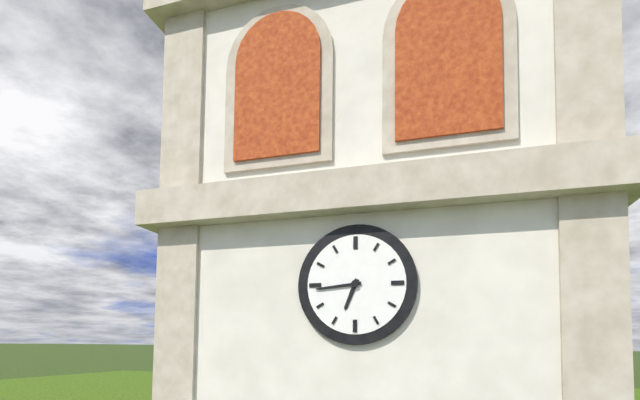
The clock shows 6h44
